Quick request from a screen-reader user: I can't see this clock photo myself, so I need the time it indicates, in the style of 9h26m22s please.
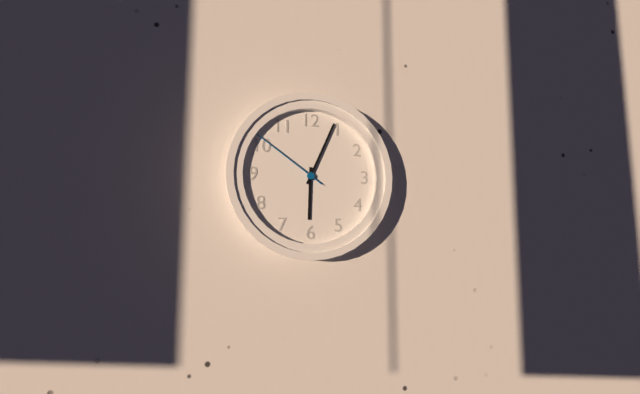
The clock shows 6h04m51s
